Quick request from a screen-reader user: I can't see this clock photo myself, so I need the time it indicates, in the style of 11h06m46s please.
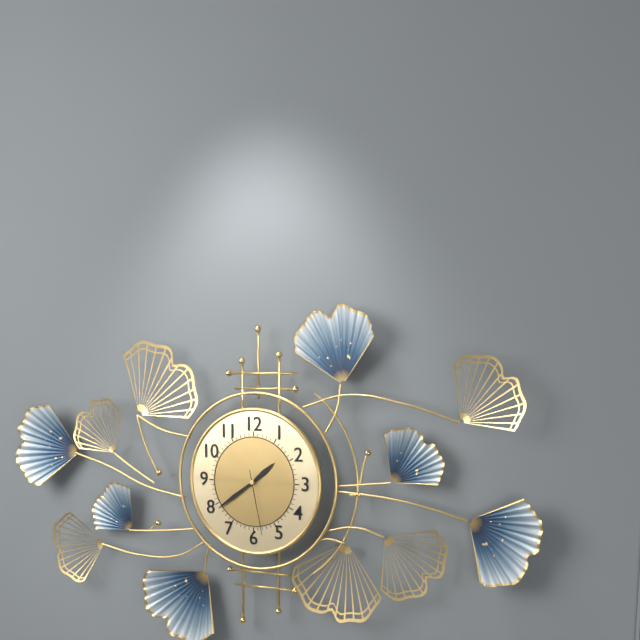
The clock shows 1h39m28s
